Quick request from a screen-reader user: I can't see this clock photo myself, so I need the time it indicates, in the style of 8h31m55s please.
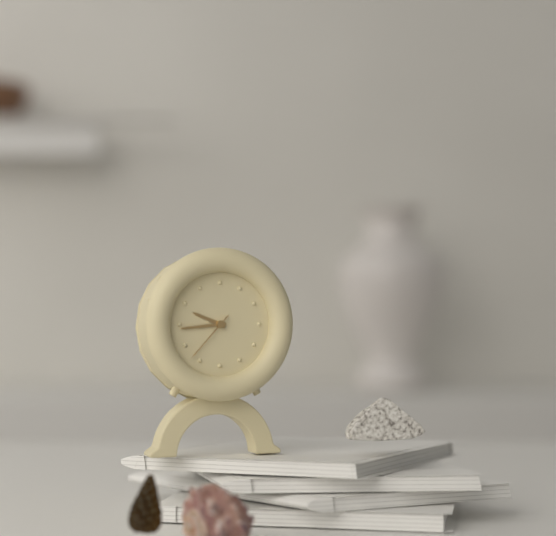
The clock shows 9h44m37s
